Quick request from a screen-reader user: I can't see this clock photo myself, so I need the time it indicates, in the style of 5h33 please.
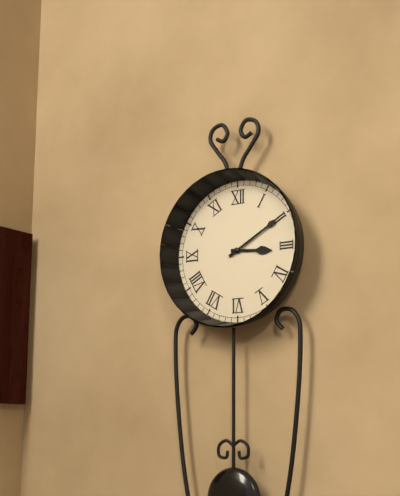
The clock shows 3h10
